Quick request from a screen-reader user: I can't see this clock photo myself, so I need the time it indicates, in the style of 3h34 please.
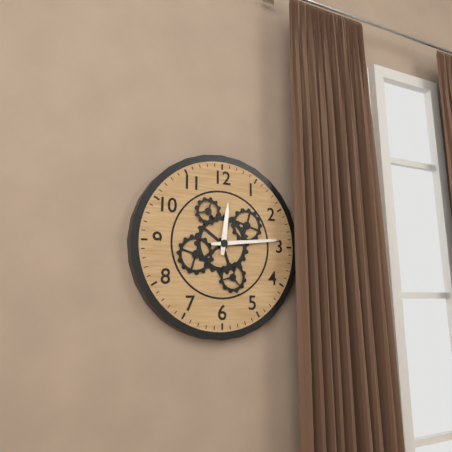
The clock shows 12h14
